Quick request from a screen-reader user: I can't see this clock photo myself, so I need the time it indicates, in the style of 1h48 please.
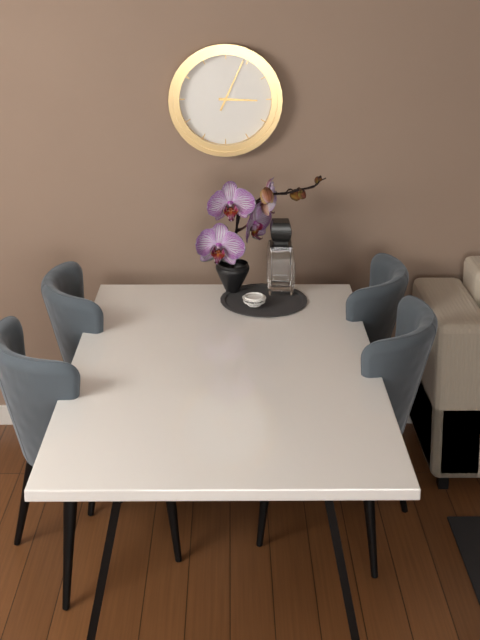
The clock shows 3h04
